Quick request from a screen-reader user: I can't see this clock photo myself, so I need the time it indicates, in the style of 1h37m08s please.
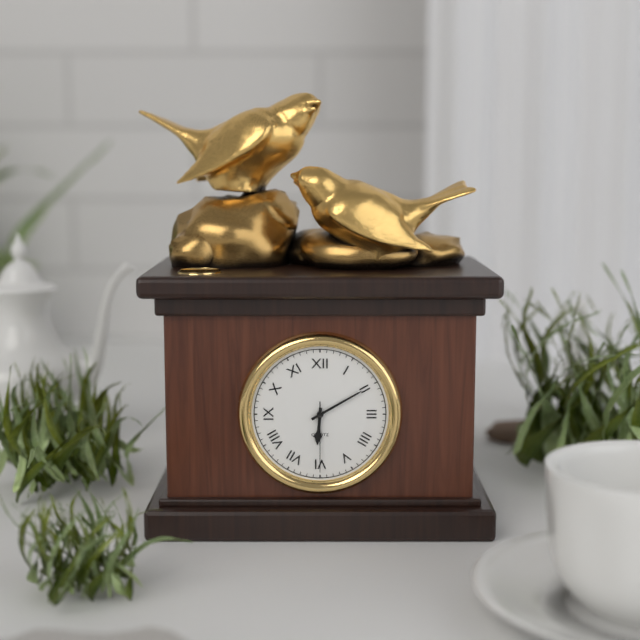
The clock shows 6h10m30s
